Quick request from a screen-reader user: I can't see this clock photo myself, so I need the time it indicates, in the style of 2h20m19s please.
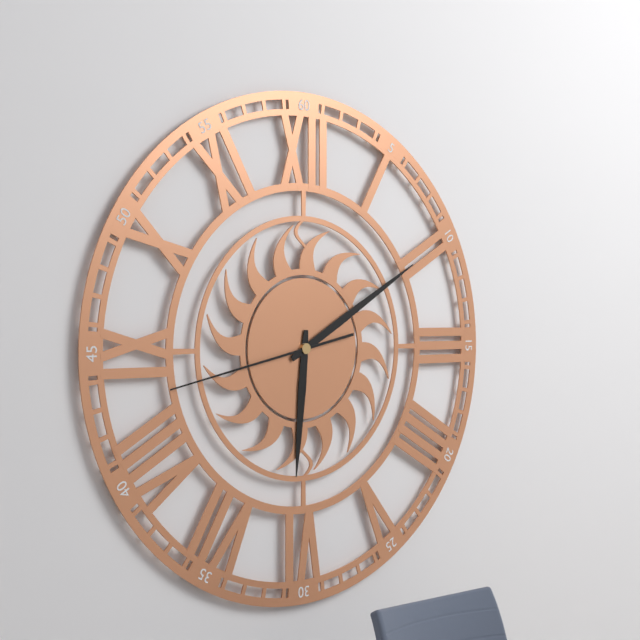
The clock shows 6h10m43s
